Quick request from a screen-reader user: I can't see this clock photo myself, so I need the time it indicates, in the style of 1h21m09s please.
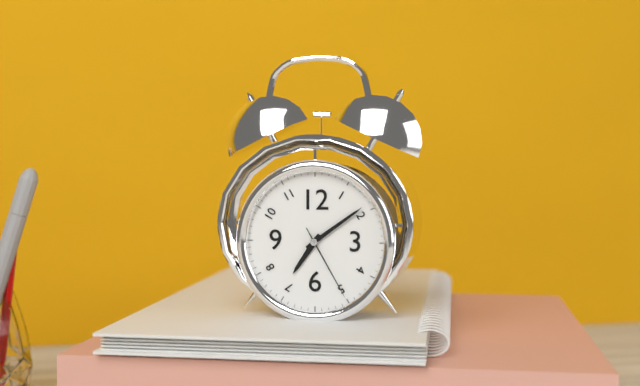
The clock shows 7h09m25s
